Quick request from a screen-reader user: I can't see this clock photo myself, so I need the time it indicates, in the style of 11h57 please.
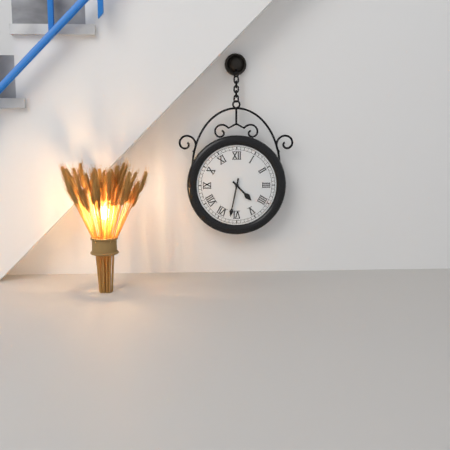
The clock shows 4h32
